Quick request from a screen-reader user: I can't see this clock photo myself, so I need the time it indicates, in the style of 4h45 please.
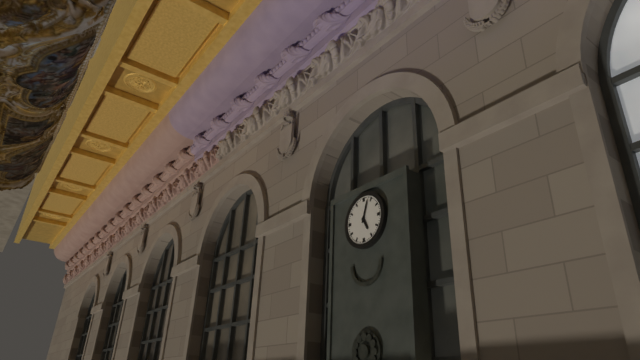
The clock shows 5h03
